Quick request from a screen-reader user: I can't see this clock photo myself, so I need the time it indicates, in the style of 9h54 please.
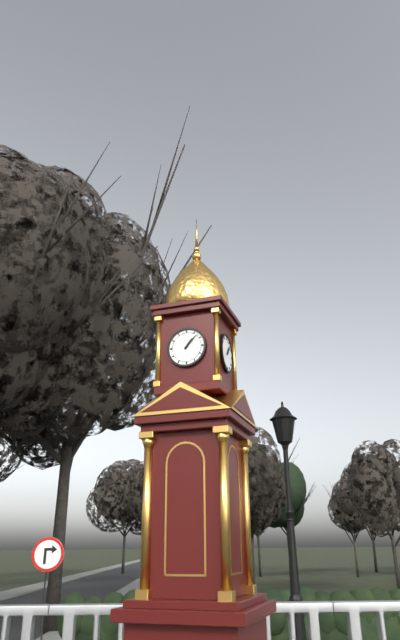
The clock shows 1h07
